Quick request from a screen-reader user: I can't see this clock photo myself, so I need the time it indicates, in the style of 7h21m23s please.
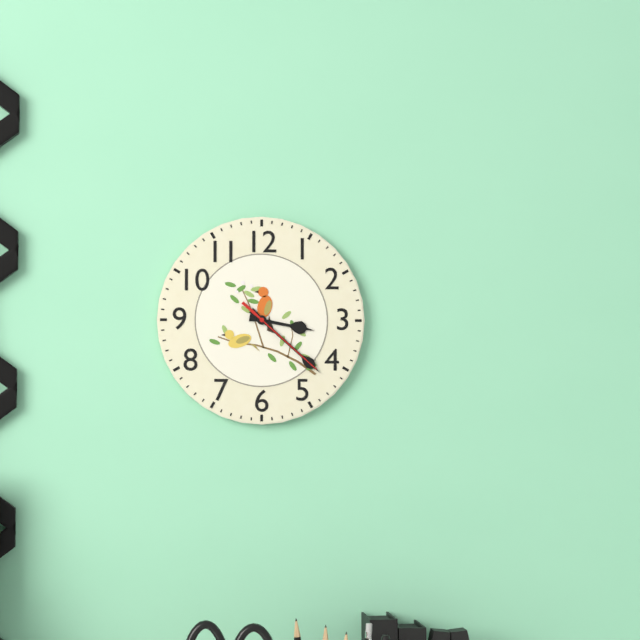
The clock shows 3h22m22s
